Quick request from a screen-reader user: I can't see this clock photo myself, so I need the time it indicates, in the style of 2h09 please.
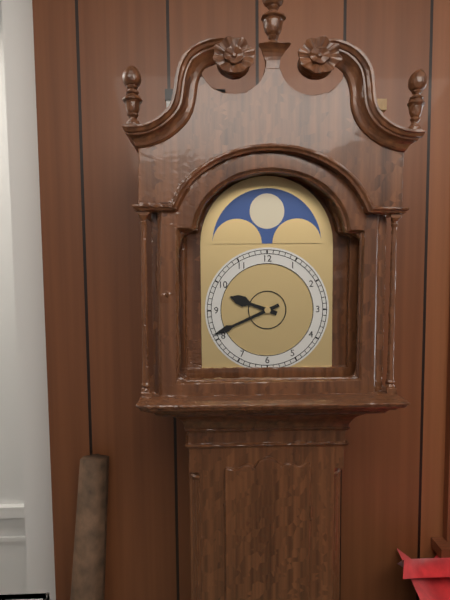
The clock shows 9h41
